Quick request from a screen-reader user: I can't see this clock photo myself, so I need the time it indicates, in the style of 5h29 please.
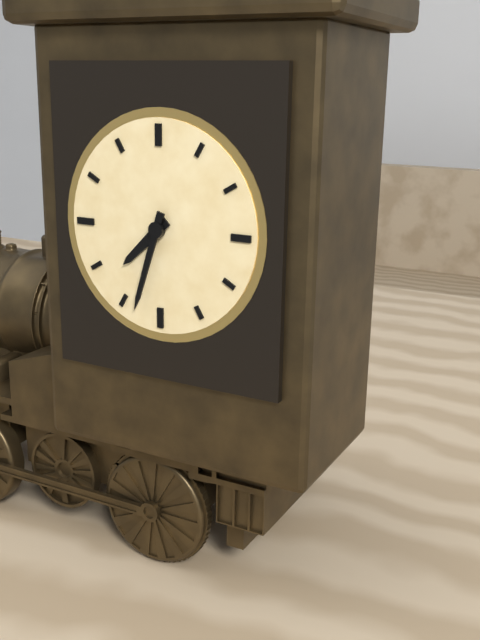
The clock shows 7h33
